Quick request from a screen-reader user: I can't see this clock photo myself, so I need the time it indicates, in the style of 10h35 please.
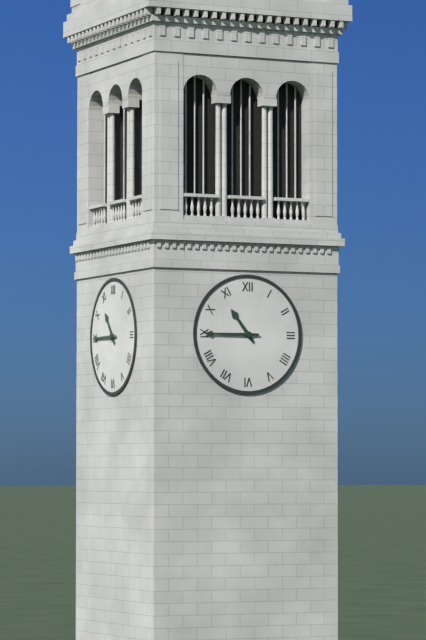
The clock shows 10h45
